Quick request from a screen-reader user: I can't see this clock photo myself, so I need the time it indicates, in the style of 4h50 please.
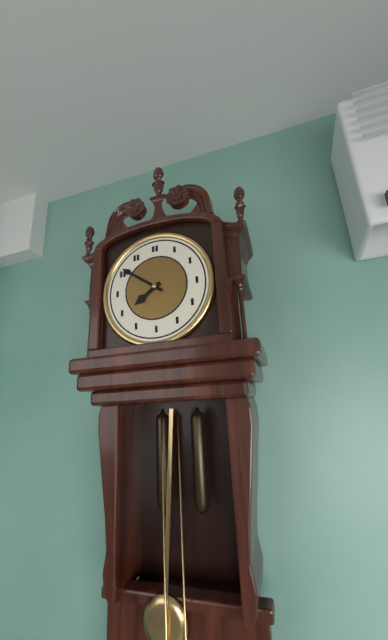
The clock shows 7h51
